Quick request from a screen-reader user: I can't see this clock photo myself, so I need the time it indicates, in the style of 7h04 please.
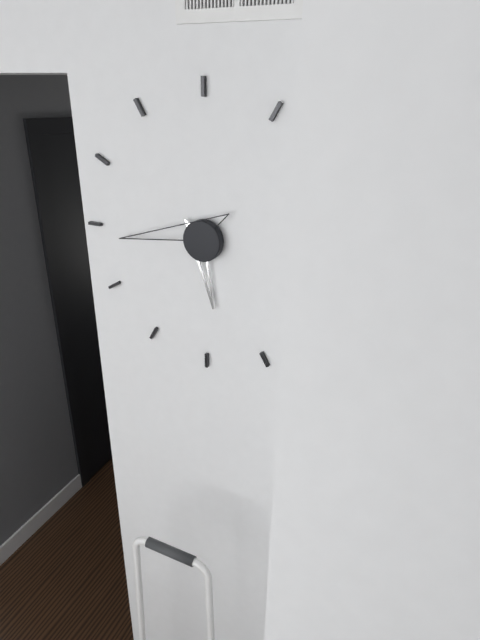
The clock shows 5h44
